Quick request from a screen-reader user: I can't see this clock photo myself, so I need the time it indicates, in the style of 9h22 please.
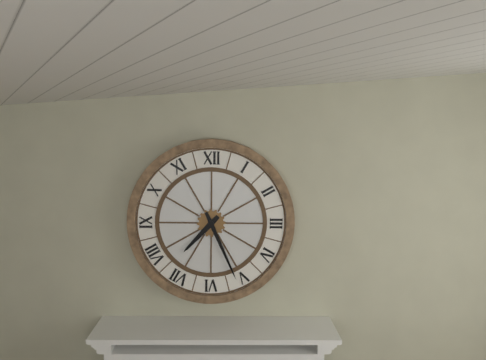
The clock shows 7h26
